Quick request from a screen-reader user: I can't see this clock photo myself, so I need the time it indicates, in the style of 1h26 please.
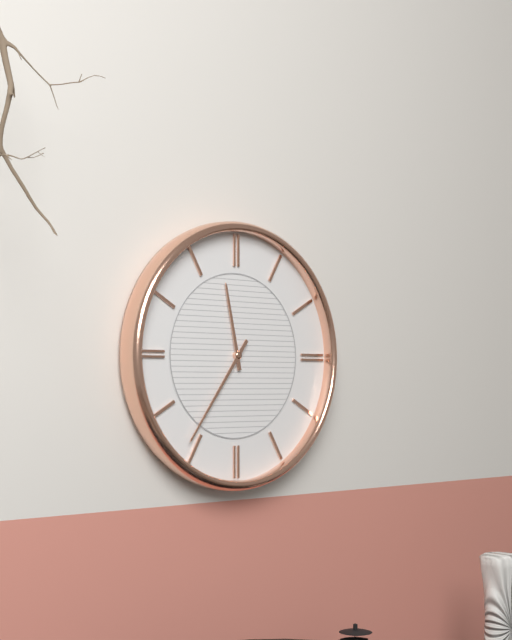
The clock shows 11h36
